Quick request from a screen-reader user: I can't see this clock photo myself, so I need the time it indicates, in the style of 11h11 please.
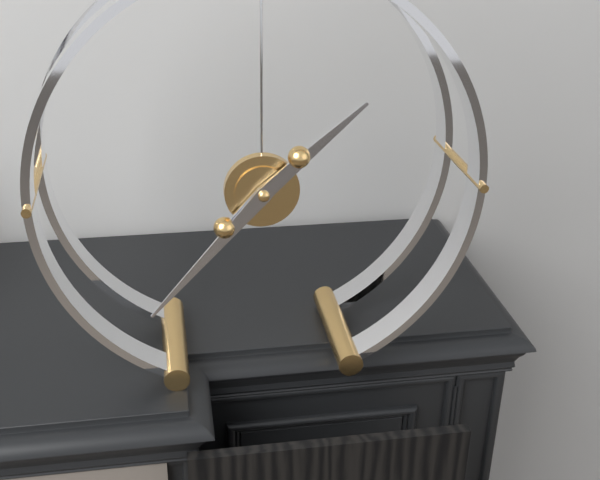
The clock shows 1h37
